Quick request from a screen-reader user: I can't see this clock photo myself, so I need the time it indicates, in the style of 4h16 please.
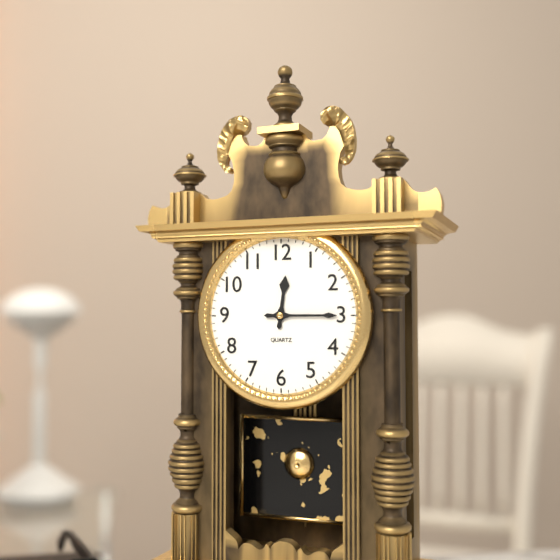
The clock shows 12h15
